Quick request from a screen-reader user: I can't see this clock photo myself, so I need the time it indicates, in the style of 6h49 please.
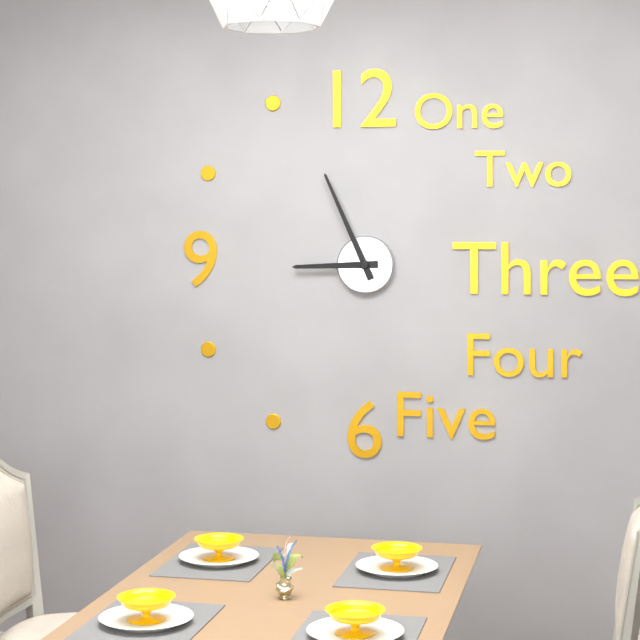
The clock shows 8h56
